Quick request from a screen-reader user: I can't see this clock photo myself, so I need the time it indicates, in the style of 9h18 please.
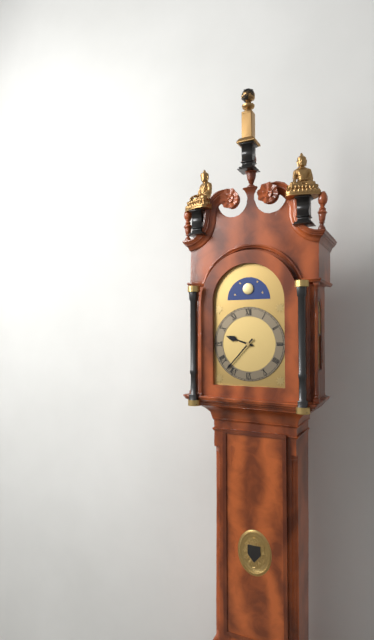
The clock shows 9h37
